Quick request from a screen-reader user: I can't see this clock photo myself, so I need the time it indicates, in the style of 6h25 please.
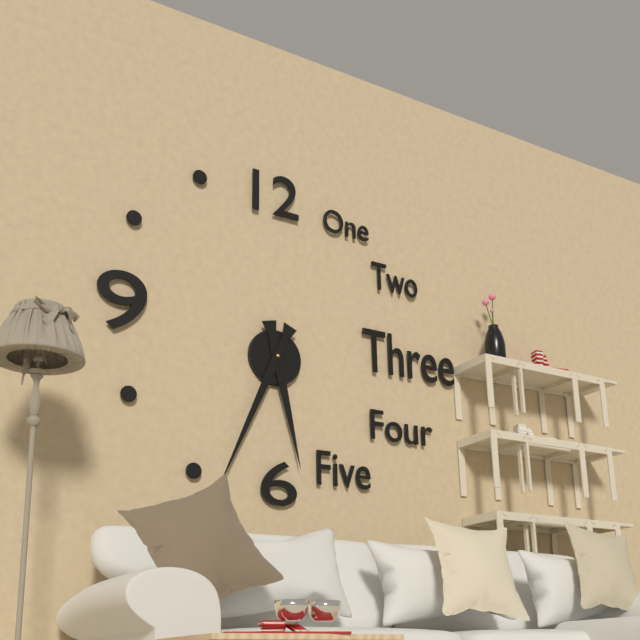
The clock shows 5h34
